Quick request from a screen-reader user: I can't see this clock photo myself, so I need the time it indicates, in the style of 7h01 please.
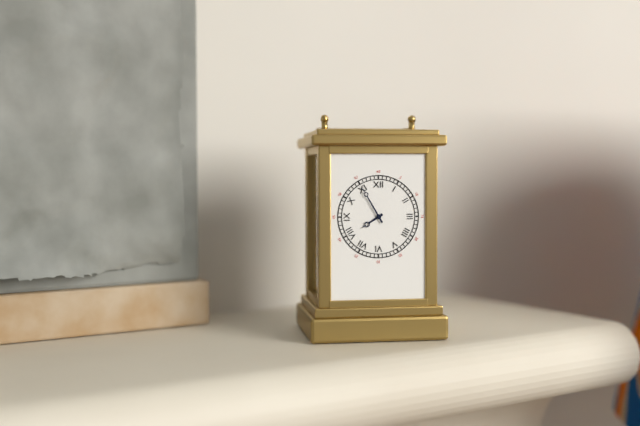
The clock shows 7h55
